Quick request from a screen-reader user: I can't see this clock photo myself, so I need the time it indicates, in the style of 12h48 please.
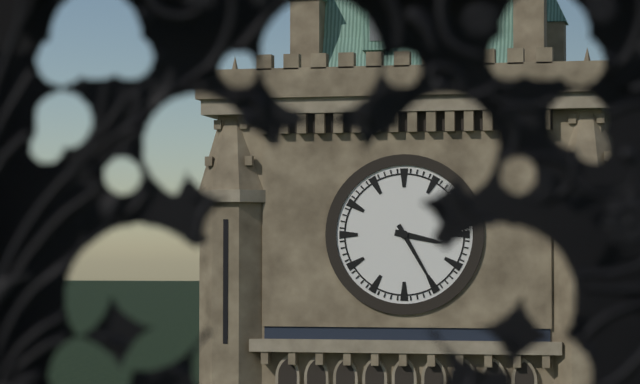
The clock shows 3h25
